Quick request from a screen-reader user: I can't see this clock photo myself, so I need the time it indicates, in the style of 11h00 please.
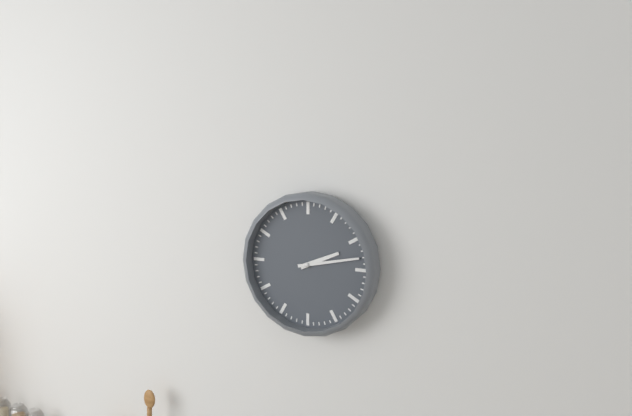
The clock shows 2h13
